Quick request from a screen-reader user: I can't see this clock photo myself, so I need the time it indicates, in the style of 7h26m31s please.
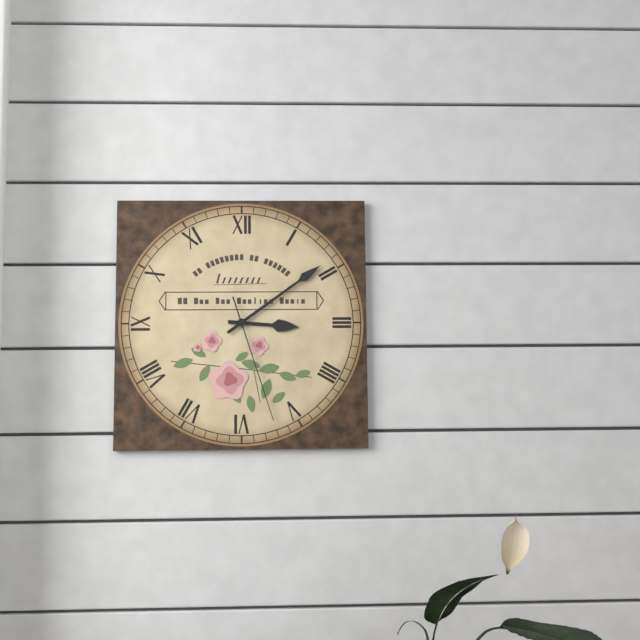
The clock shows 3h09m27s
